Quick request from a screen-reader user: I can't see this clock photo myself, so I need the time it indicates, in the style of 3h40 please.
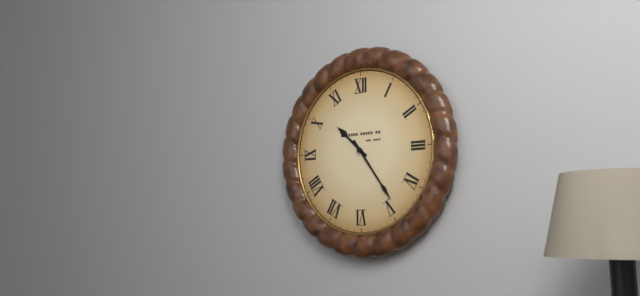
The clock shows 10h24
